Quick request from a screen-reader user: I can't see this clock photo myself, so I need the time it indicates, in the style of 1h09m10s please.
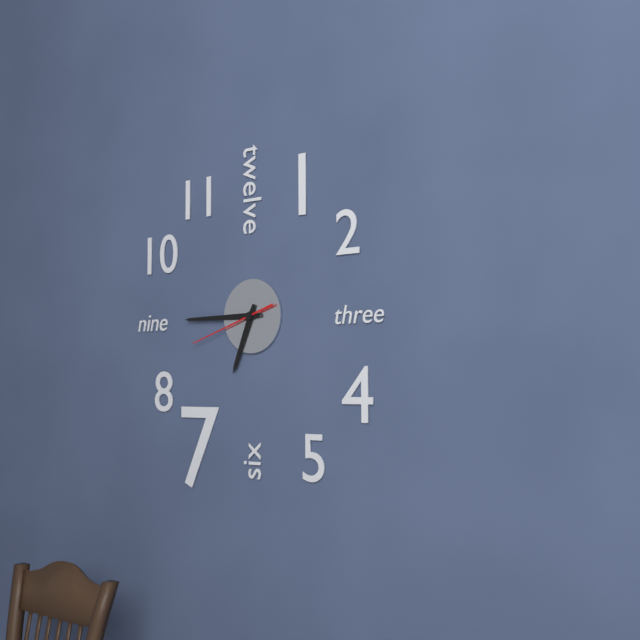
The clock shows 6h45m42s
